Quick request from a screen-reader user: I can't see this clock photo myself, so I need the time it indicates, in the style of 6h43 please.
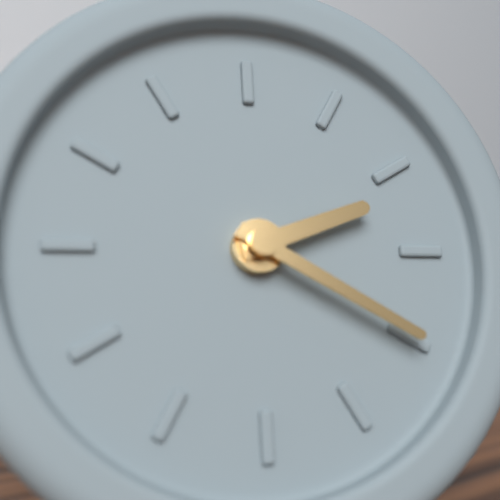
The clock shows 2h20
